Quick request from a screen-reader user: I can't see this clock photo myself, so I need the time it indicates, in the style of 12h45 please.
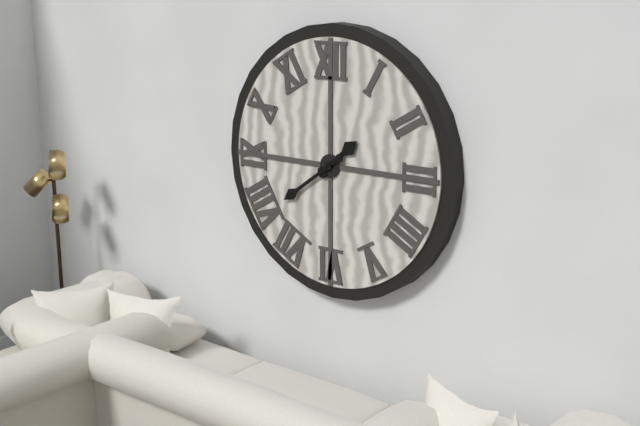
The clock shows 1h39
